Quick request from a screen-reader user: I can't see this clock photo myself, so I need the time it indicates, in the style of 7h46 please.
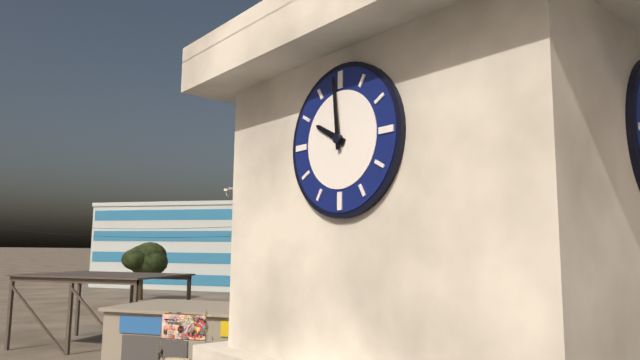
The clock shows 9h59
